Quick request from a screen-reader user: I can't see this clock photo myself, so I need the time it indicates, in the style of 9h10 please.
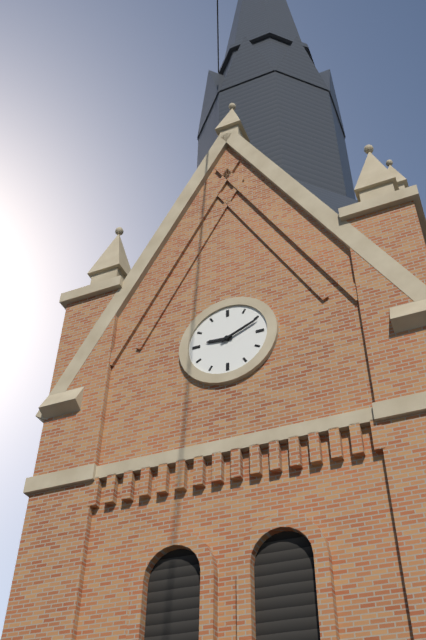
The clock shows 9h11
